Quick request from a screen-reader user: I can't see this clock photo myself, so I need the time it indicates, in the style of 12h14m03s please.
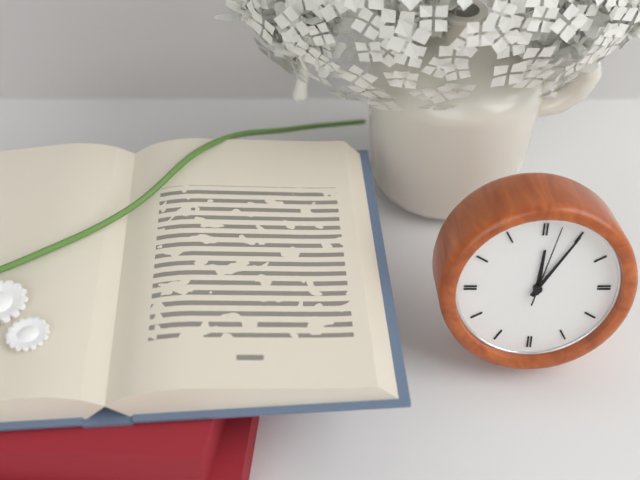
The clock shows 12h05m02s
